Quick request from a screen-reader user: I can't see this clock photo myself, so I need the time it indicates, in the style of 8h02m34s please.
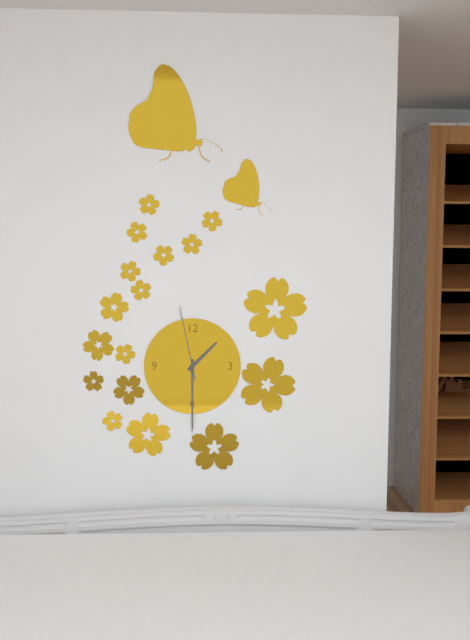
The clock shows 1h30m58s
